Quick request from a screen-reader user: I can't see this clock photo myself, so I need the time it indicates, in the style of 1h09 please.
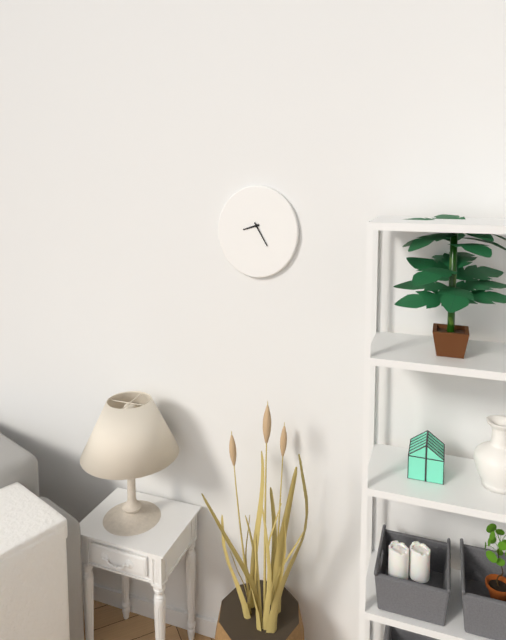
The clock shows 8h25
